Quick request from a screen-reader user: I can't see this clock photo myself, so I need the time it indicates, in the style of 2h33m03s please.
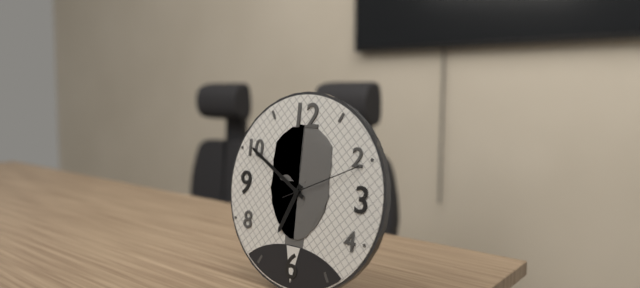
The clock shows 6h50m11s
